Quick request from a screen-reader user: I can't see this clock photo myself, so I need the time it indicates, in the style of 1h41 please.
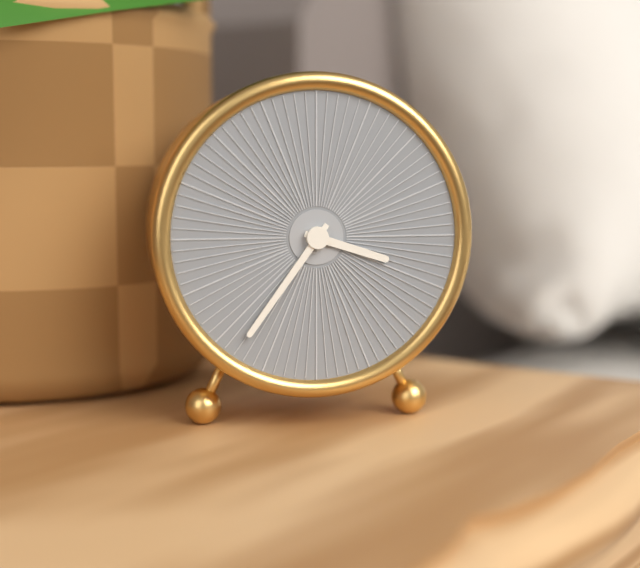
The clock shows 3h36
